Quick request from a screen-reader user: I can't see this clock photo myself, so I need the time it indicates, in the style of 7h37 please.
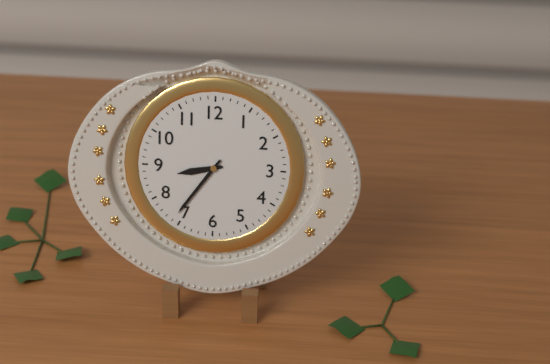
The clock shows 8h36
